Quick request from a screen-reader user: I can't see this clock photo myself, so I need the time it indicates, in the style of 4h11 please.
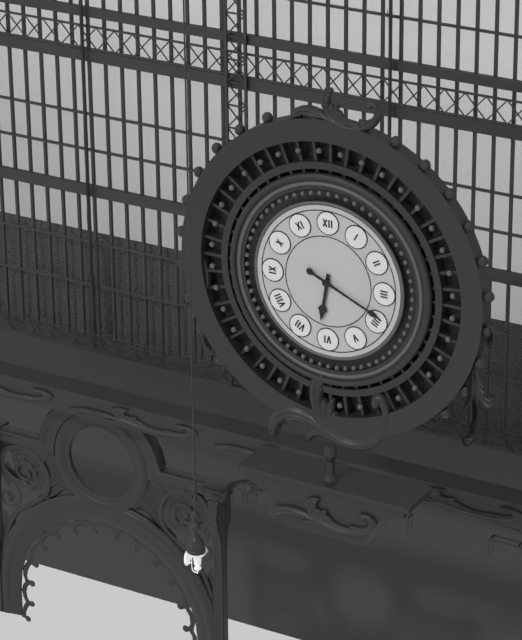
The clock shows 6h19
